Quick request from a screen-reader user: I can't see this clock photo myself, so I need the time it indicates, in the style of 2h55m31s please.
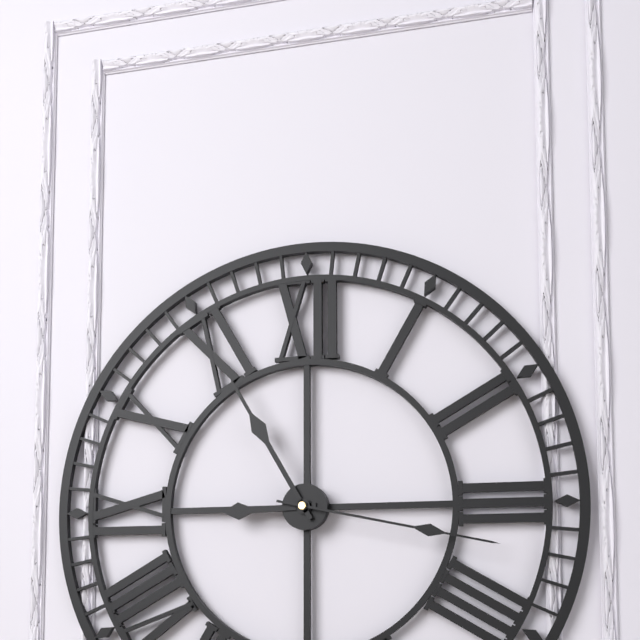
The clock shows 8h55m17s
